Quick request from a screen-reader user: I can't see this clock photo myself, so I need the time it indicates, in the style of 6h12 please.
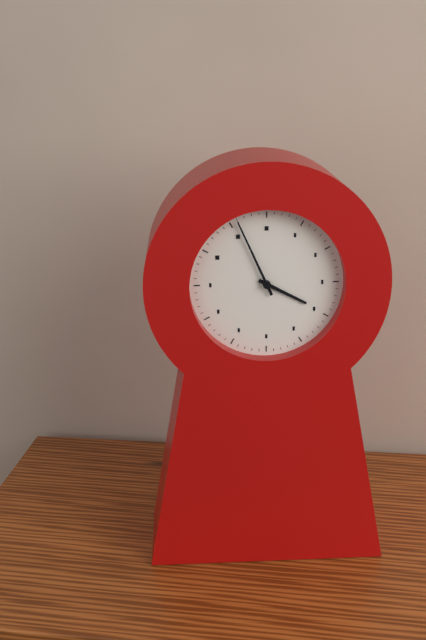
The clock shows 3h56
